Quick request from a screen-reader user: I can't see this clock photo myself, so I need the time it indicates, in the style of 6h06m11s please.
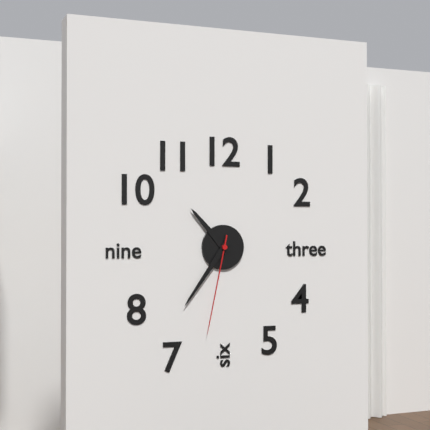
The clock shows 10h36m32s
